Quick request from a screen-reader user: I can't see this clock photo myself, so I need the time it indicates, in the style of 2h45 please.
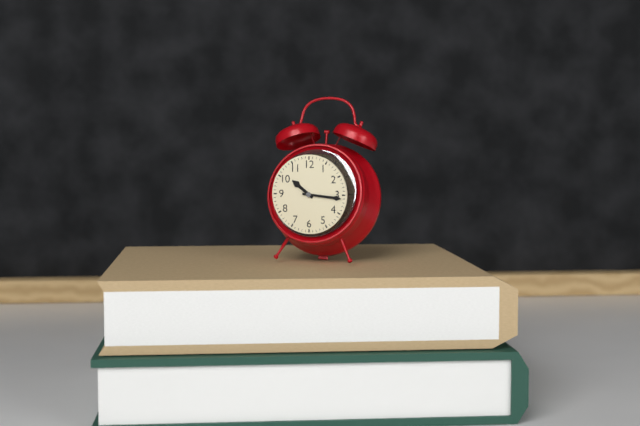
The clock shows 10h16
